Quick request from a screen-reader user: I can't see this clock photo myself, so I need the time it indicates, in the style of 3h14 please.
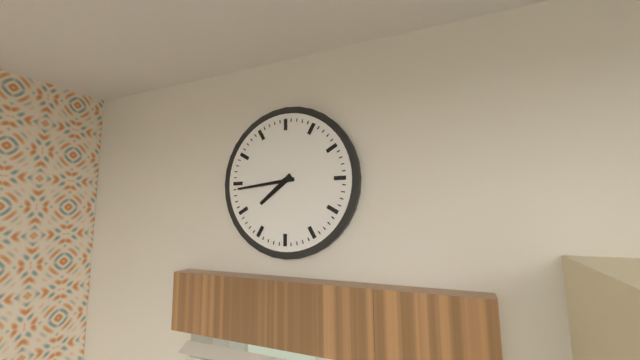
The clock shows 7h44
